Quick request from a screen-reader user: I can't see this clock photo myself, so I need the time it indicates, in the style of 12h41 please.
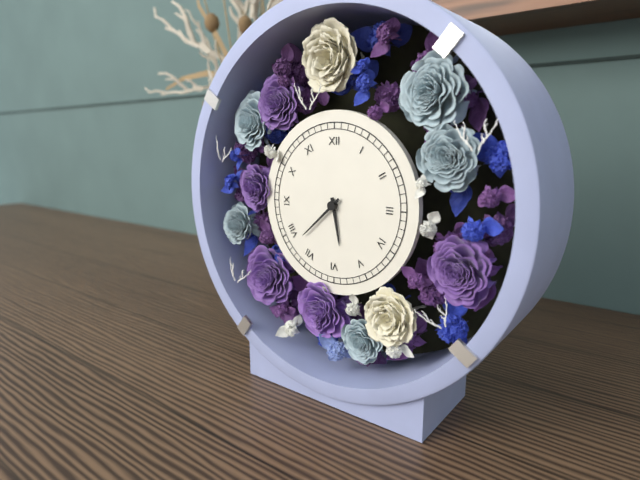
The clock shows 5h38
